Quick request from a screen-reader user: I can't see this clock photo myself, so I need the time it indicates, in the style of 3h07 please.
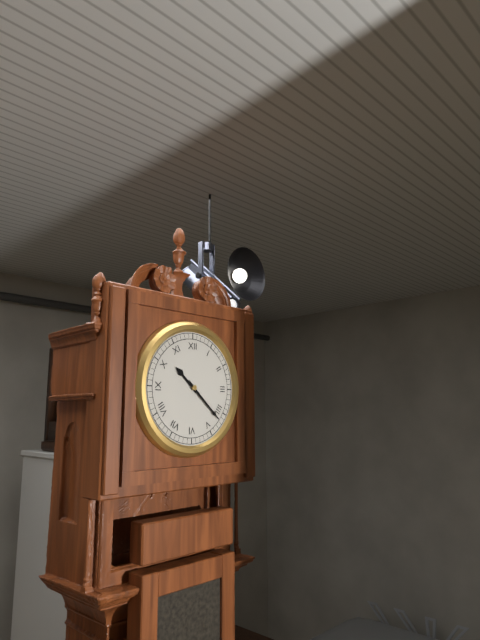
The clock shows 10h22
